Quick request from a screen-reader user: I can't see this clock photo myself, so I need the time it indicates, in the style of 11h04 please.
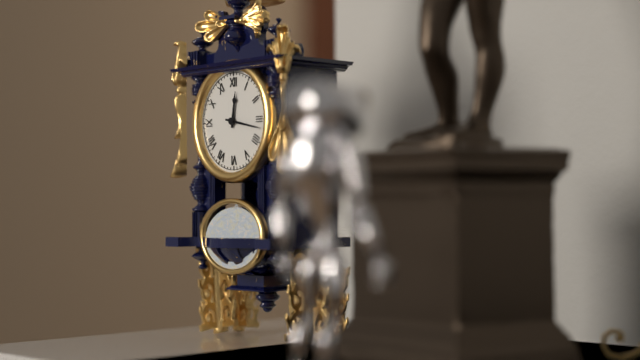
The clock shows 12h17
